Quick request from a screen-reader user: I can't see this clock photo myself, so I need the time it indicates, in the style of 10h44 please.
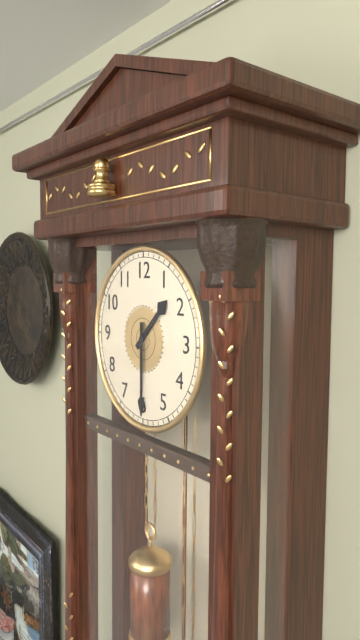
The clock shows 1h30
